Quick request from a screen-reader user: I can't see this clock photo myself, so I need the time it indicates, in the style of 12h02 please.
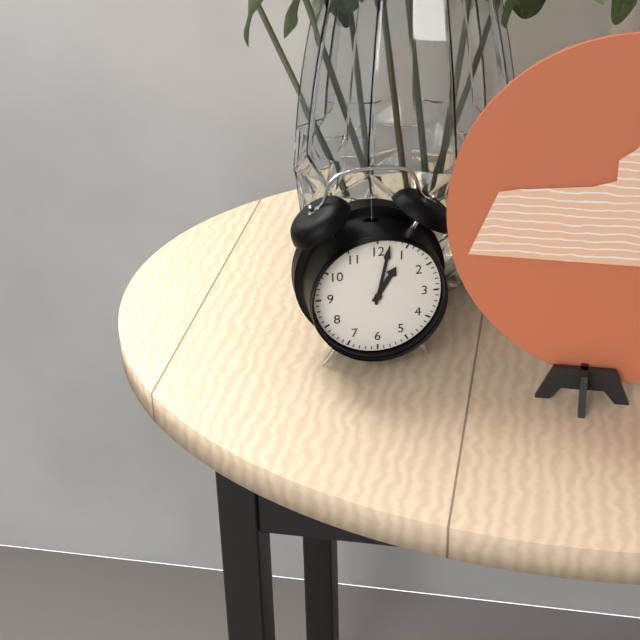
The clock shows 1h02
